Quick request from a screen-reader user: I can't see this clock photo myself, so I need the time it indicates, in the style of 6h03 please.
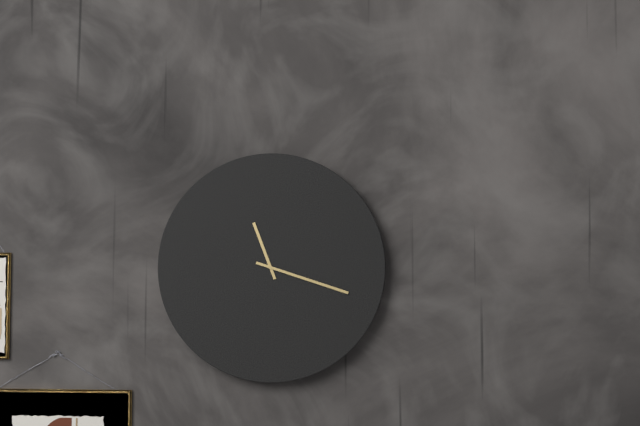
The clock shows 11h18
